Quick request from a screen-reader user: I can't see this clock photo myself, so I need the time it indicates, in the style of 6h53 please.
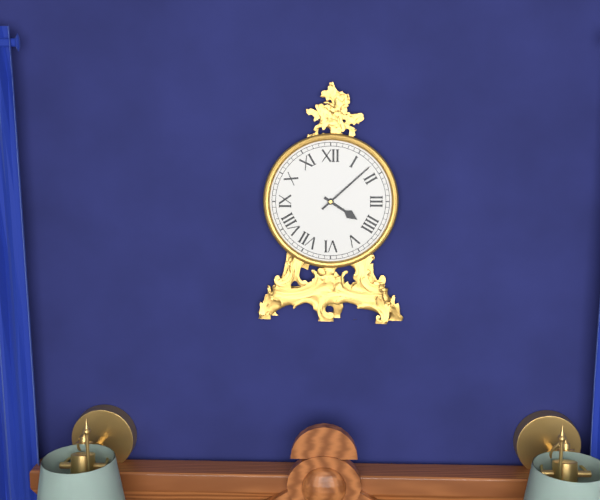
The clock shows 4h08
